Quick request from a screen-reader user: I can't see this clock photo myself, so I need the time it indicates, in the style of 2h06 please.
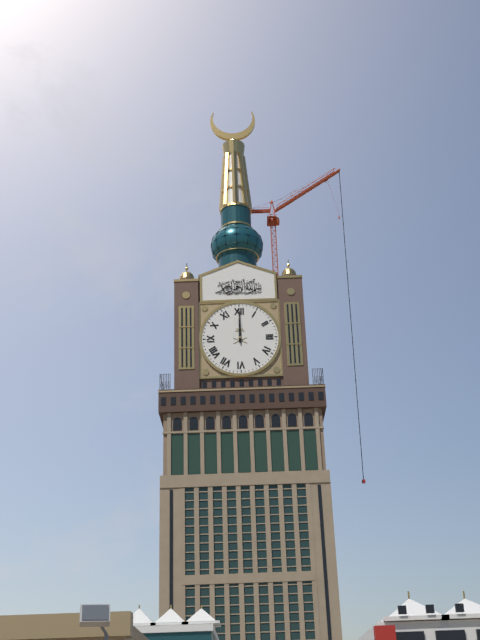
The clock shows 12h00
